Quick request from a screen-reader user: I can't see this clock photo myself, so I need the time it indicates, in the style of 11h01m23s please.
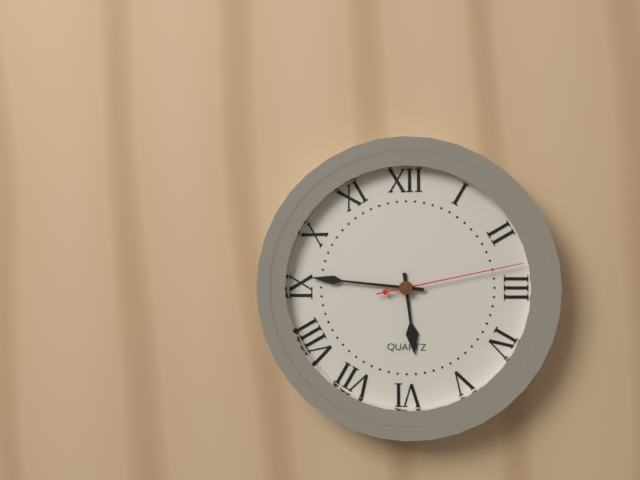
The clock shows 5h46m13s
